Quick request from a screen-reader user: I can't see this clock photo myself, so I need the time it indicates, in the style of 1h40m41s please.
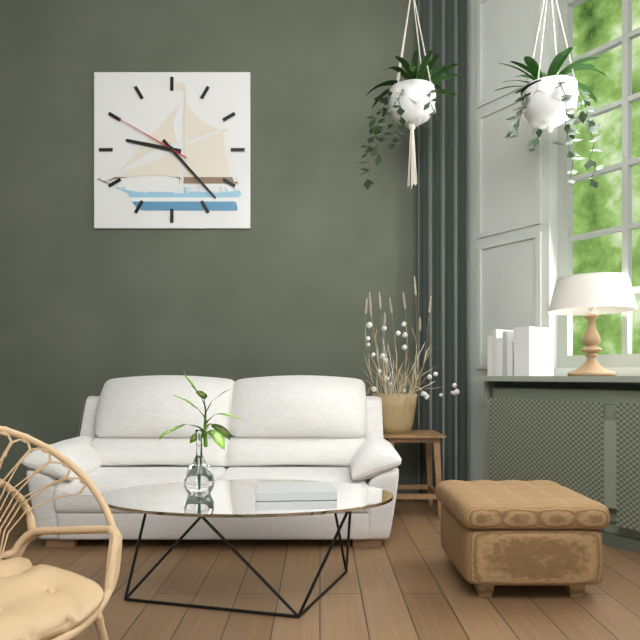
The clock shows 9h23m50s
